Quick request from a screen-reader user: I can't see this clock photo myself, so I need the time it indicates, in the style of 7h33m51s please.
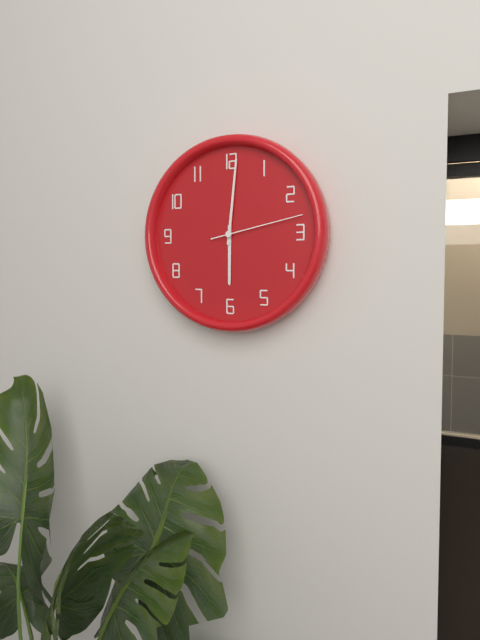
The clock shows 6h01m13s
